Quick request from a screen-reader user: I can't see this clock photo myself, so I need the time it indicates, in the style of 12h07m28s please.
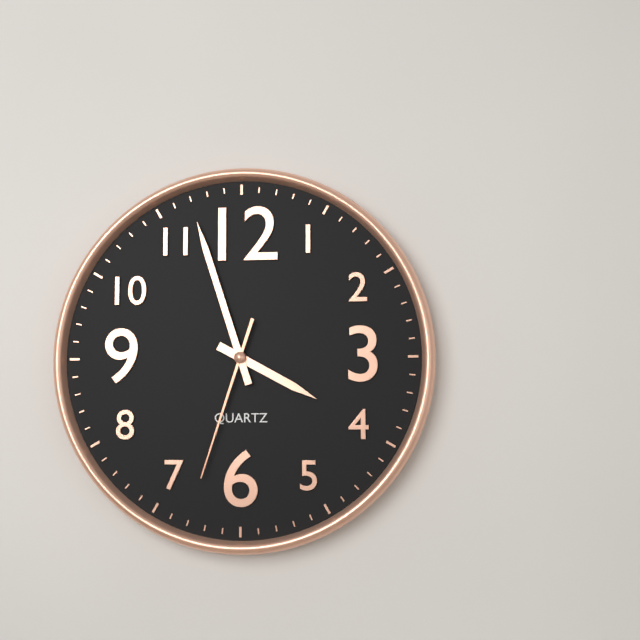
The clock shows 3h57m33s
